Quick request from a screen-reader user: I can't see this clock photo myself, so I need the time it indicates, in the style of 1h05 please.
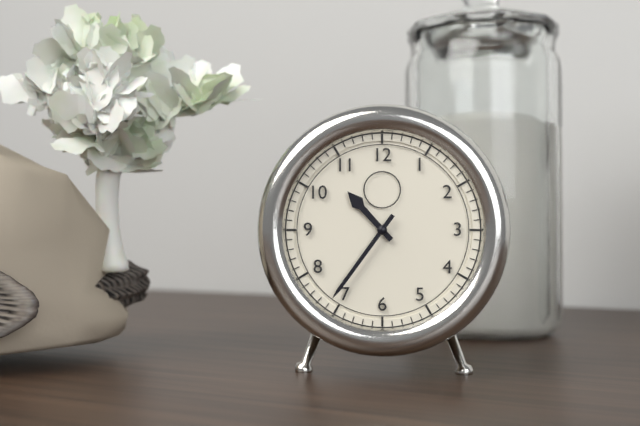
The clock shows 10h36
